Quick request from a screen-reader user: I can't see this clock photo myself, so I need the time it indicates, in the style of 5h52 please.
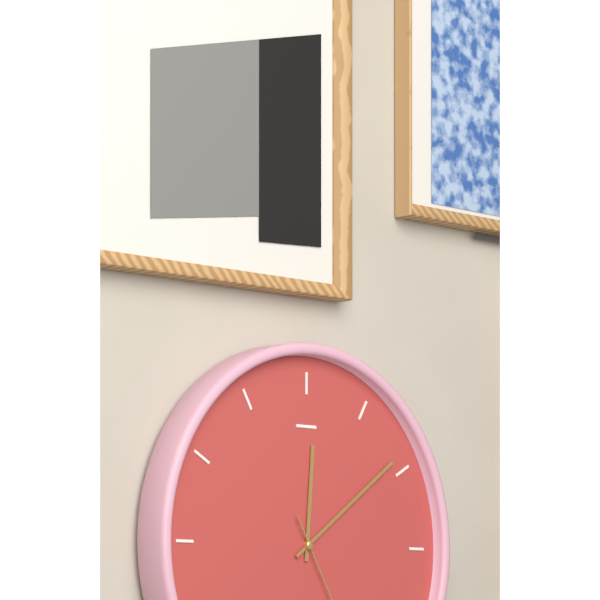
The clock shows 12h09
